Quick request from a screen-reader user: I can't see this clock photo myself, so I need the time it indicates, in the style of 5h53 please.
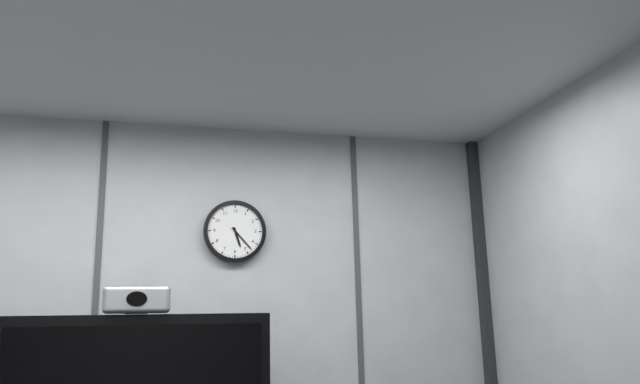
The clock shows 5h23
